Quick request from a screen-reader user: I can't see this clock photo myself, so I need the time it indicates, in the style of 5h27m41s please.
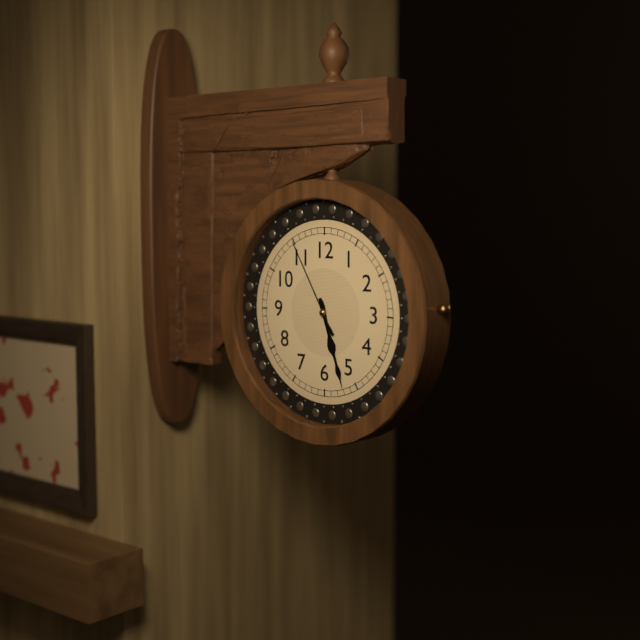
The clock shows 5h27m55s
